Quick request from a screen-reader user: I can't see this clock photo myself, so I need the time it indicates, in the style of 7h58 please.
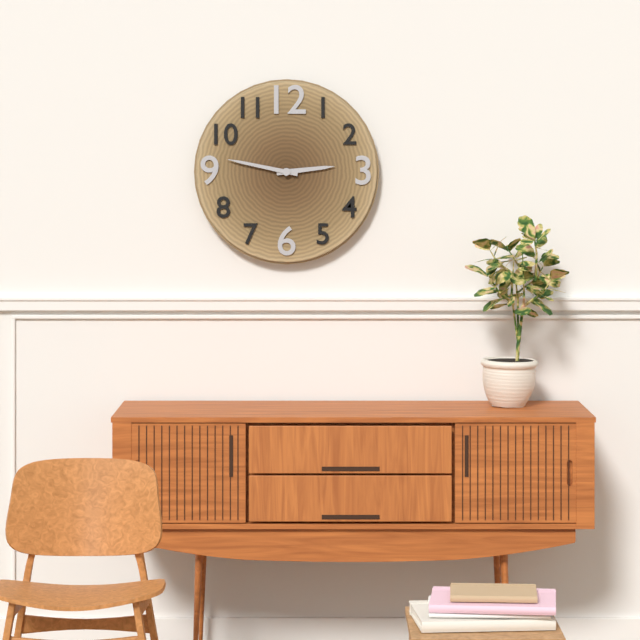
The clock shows 2h47
